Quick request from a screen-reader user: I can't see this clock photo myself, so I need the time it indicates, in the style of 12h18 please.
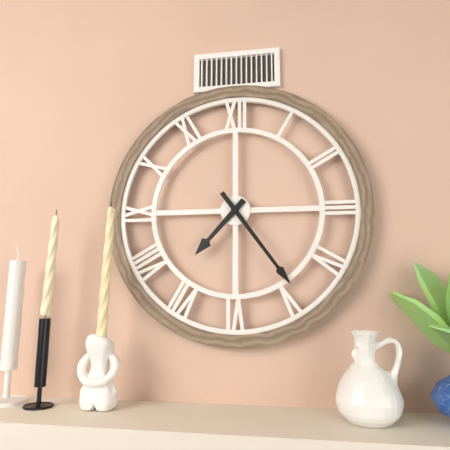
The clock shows 7h24
